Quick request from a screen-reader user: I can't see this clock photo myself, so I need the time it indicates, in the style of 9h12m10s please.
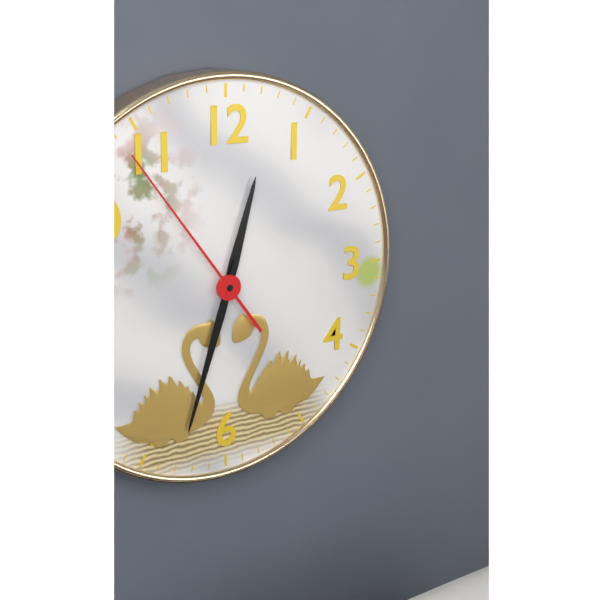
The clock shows 12h33m54s
